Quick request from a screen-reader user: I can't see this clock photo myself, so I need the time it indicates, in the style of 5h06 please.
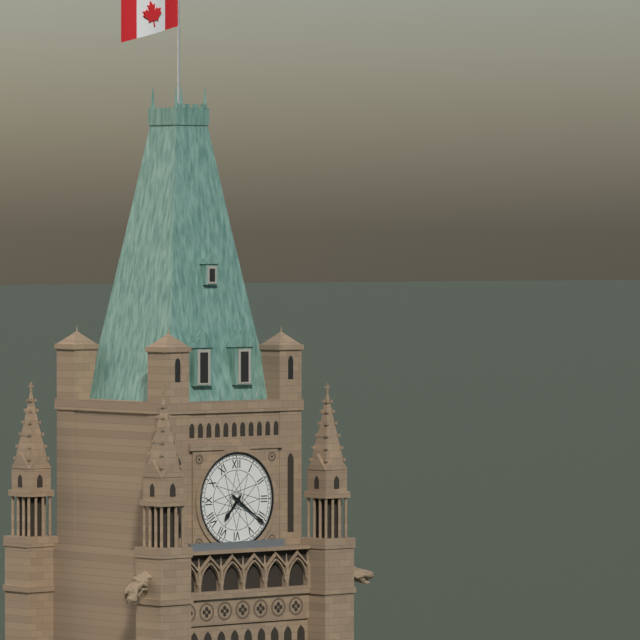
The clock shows 7h21
